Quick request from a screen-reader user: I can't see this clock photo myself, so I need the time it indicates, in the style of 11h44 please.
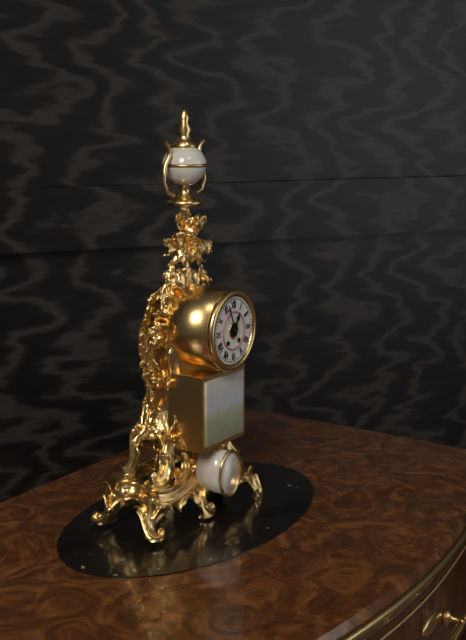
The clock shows 12h56
